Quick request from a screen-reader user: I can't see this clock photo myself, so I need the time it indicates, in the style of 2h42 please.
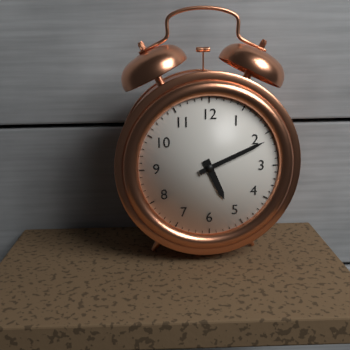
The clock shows 5h11
